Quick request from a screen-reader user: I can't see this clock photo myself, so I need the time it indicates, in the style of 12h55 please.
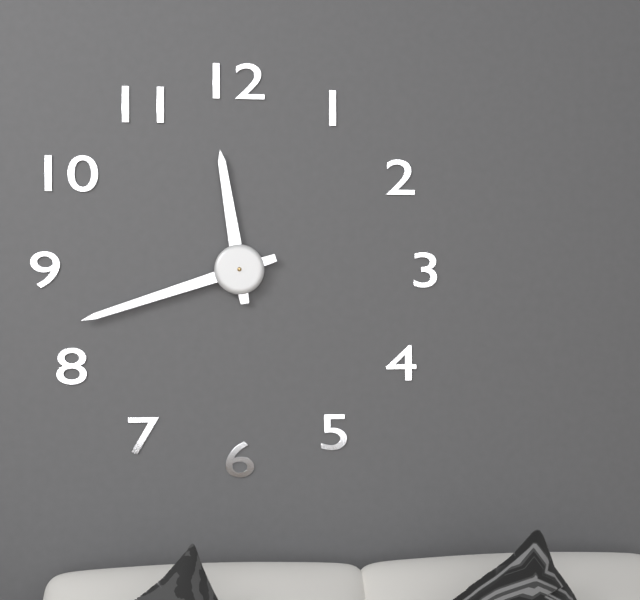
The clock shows 11h42
